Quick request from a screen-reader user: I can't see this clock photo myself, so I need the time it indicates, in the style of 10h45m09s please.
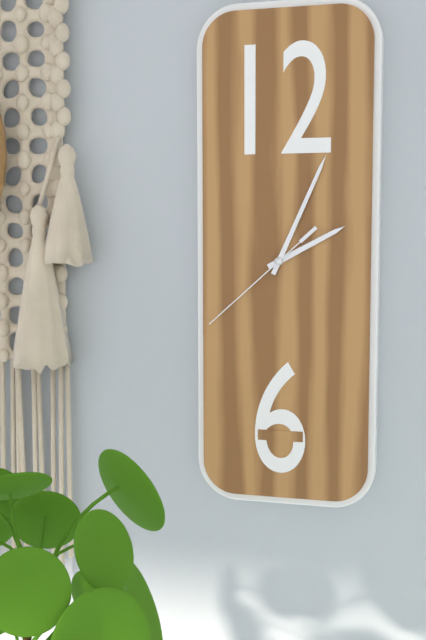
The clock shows 2h04m38s
